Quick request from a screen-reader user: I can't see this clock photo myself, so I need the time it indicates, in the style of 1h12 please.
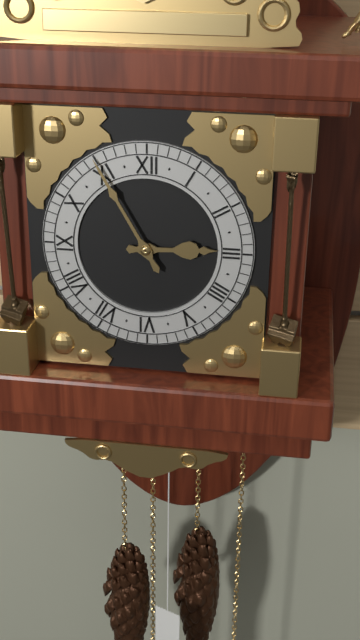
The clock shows 2h55
